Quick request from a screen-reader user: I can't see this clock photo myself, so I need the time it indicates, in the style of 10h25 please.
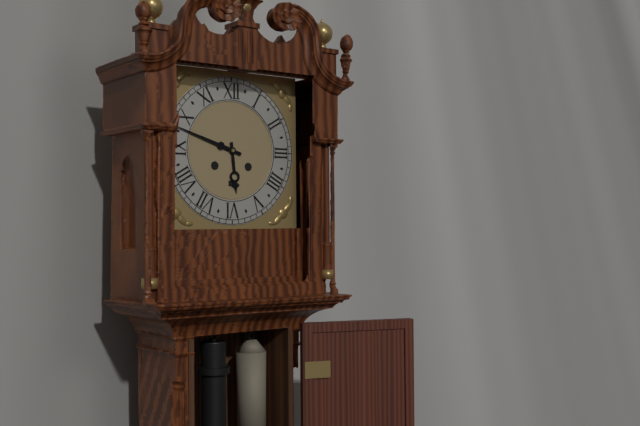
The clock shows 5h48
